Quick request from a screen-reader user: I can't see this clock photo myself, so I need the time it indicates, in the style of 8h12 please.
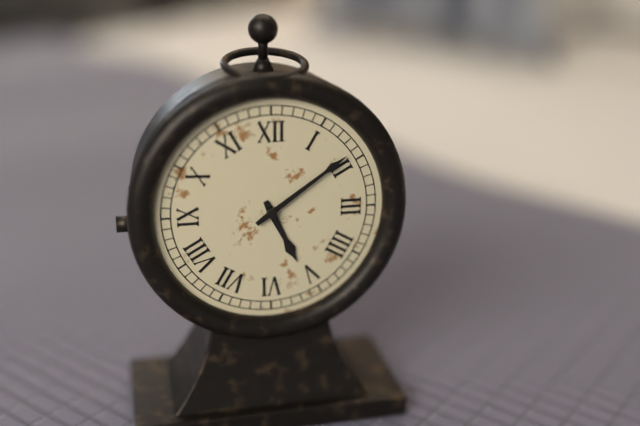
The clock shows 5h09
